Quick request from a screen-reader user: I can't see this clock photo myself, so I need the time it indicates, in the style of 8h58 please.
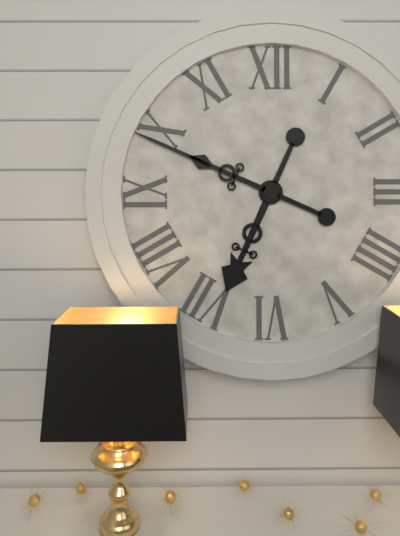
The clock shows 6h49
